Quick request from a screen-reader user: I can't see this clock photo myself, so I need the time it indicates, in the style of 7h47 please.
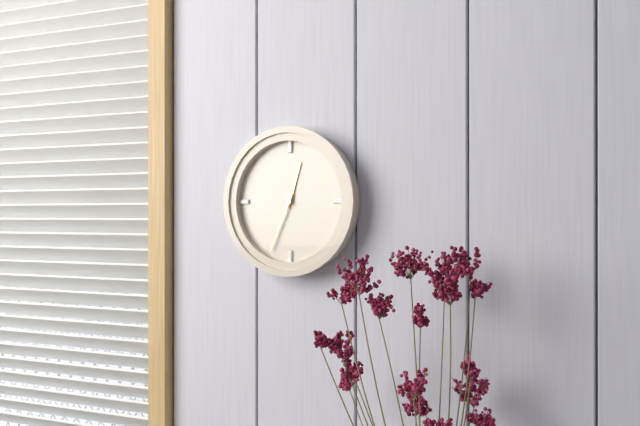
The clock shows 12h34
